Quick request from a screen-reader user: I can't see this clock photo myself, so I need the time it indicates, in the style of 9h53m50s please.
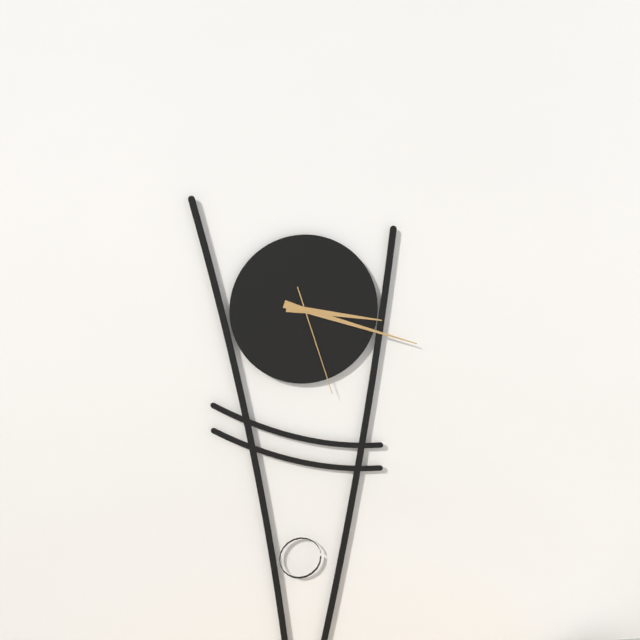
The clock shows 3h18m27s
